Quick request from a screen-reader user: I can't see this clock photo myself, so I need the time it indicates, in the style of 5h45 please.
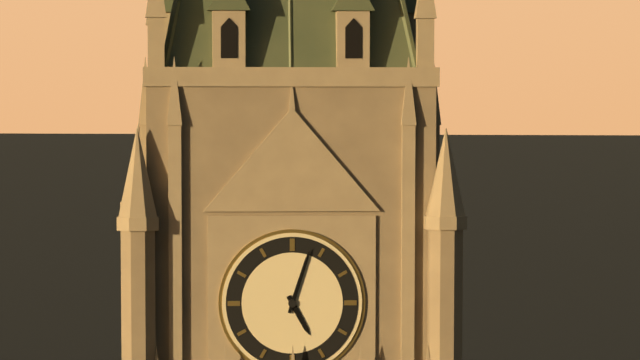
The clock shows 5h03
